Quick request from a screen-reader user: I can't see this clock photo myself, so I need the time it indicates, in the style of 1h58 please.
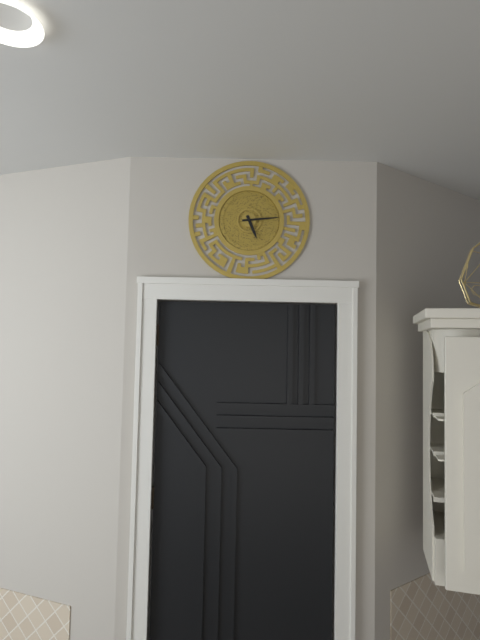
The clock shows 5h14
